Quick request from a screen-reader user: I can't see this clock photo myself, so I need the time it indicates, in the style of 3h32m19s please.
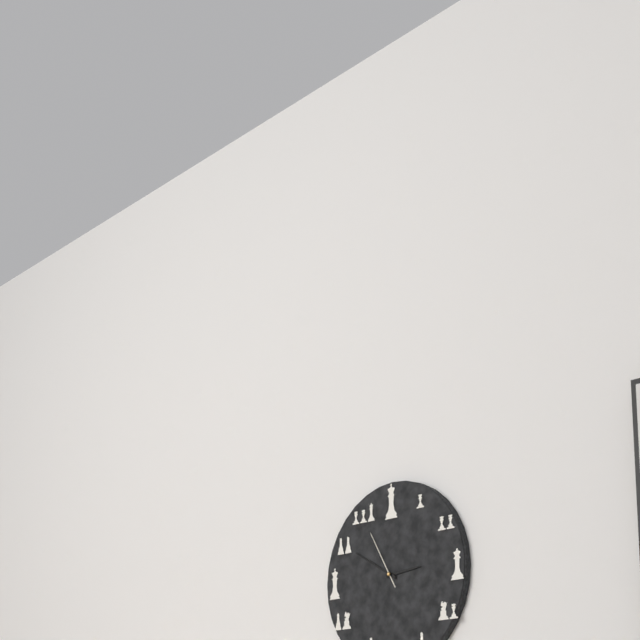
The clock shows 2h50m55s
